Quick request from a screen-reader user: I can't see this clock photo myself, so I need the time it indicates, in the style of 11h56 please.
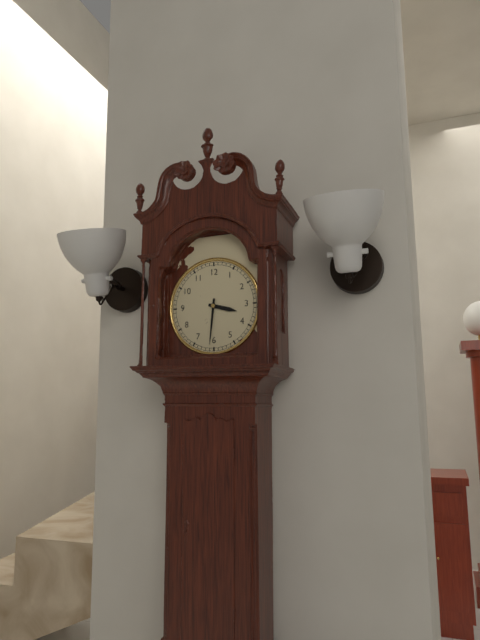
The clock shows 3h31
